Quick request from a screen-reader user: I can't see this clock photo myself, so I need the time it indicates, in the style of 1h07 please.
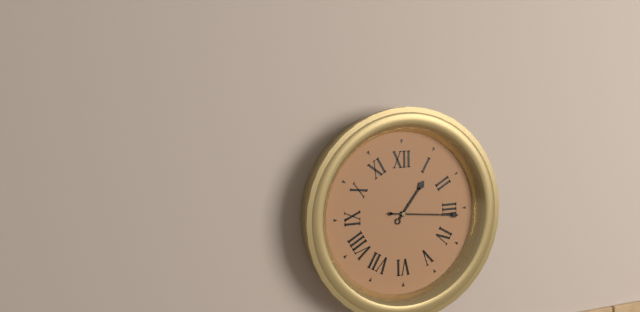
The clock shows 1h16
